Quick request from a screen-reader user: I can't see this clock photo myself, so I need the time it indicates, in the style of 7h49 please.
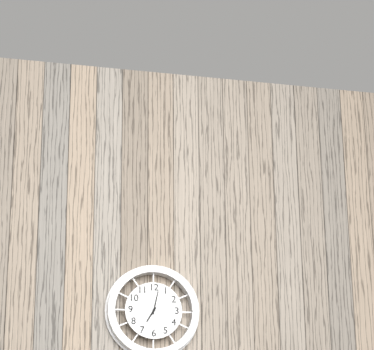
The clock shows 7h02
